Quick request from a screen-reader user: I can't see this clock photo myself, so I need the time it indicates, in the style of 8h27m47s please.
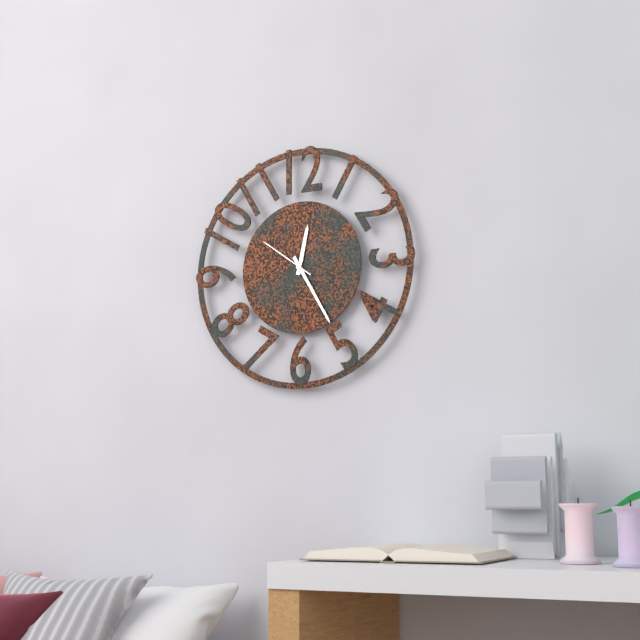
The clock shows 12h25m51s
